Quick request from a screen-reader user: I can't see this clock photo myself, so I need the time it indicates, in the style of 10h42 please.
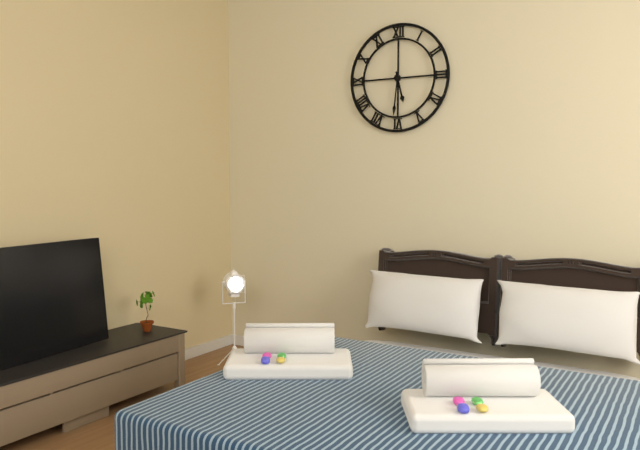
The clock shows 5h31
